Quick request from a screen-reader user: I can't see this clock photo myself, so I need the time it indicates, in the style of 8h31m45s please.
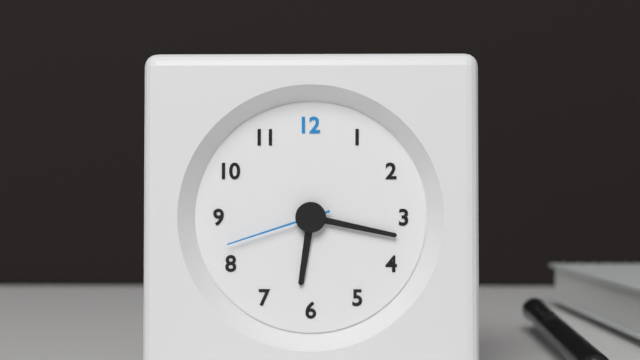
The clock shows 6h17m42s
